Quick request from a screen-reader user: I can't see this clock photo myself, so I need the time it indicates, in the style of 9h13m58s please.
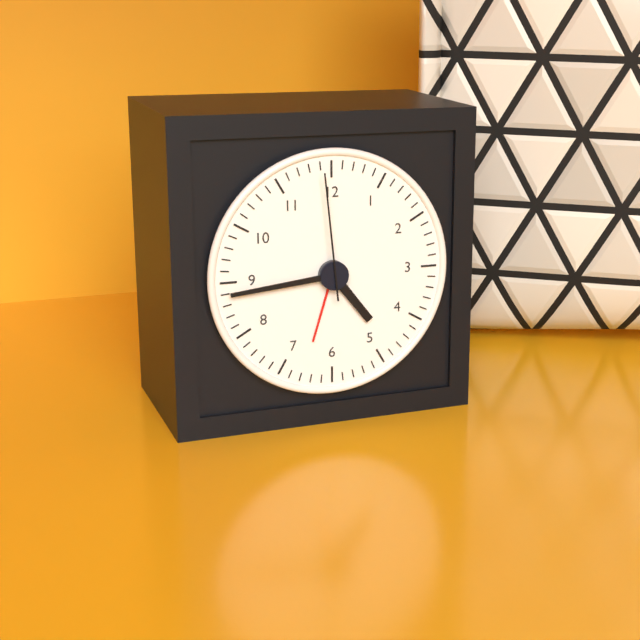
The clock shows 4h44m59s
